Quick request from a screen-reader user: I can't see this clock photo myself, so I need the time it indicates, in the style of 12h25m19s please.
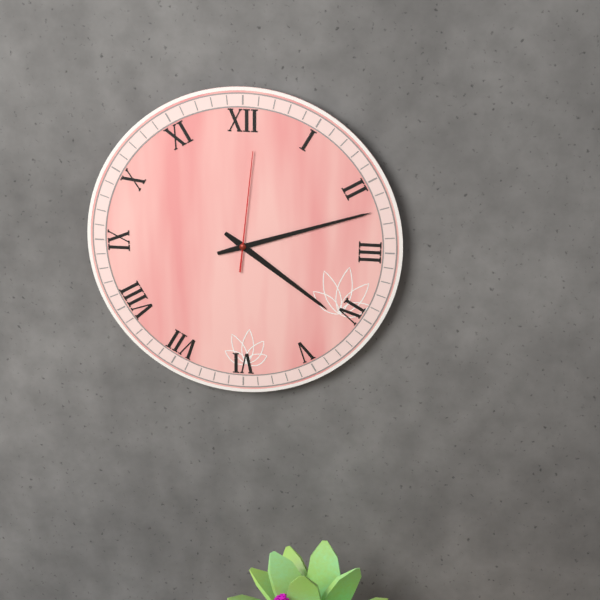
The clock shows 4h12m01s
